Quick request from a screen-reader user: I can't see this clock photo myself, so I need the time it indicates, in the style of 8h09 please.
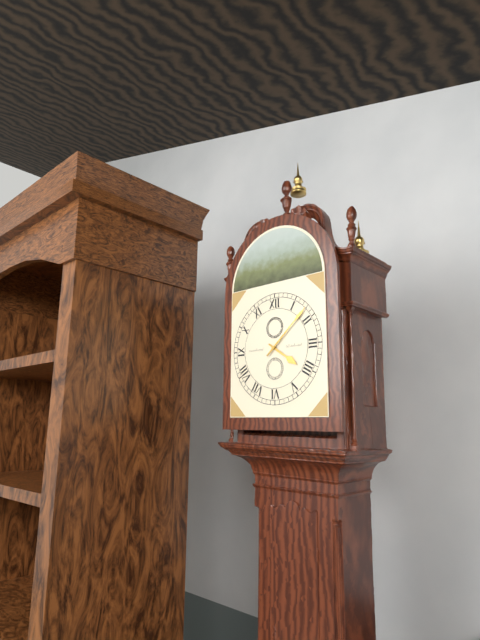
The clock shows 4h08
